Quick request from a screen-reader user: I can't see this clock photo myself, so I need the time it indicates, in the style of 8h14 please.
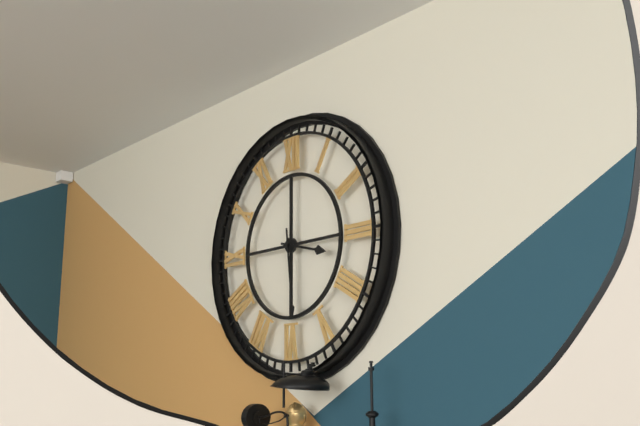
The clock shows 3h29
